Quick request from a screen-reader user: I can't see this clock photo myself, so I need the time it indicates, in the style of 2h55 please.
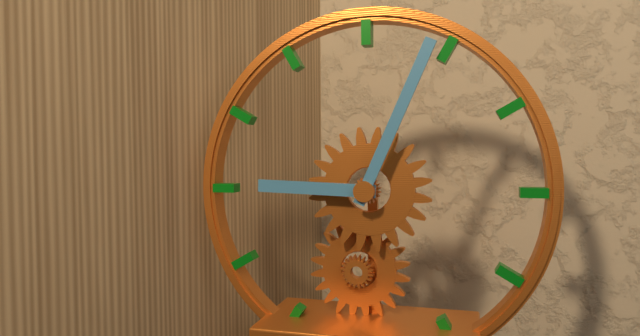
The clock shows 9h04
